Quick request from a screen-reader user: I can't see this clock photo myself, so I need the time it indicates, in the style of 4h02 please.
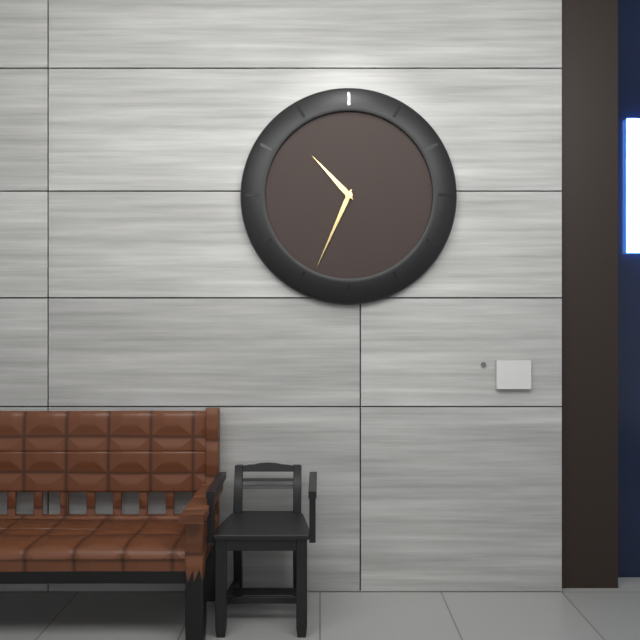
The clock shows 10h34
